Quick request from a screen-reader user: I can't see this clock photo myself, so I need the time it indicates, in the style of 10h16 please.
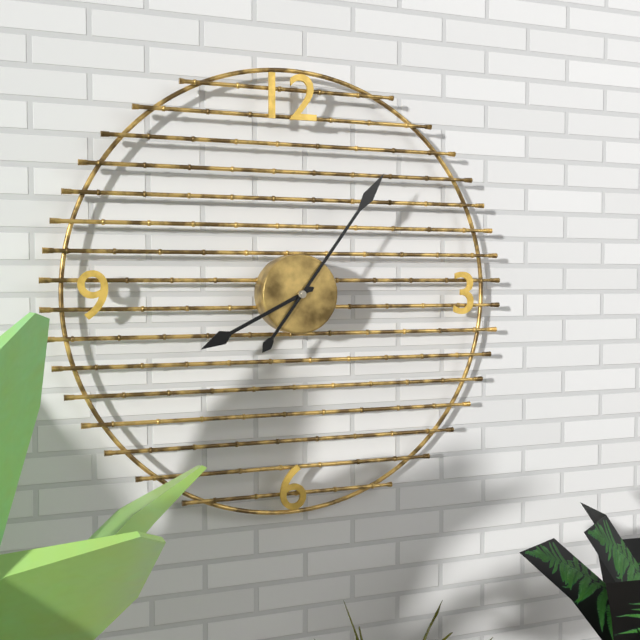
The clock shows 8h06
